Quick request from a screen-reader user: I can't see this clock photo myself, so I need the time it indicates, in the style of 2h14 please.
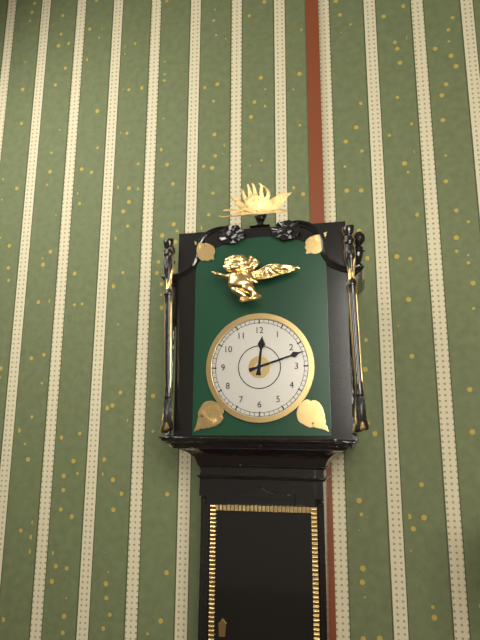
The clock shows 12h12
